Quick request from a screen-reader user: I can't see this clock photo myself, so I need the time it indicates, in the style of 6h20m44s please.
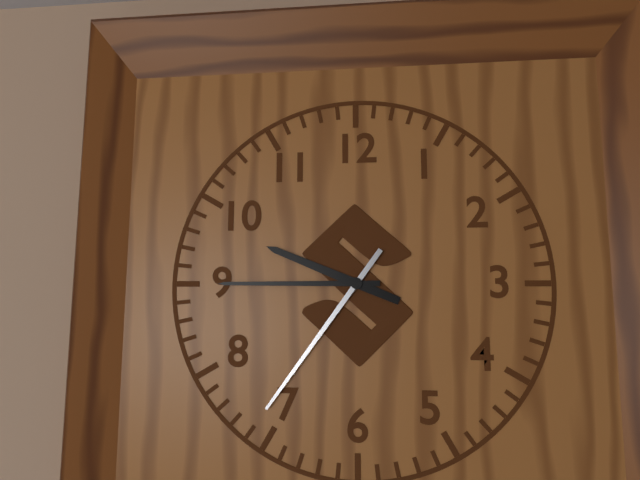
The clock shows 9h45m36s
